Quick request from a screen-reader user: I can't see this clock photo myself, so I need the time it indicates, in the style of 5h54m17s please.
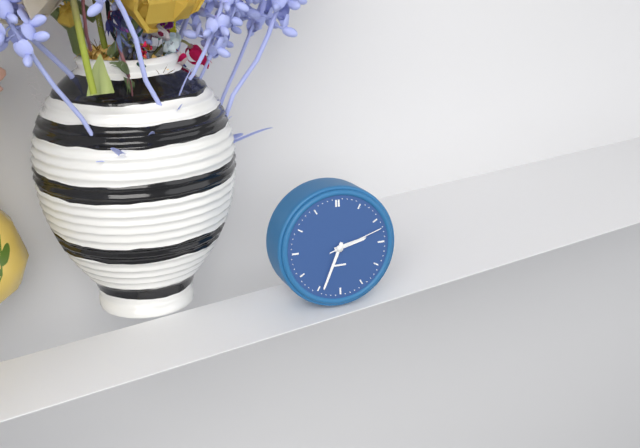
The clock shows 2h34m12s
